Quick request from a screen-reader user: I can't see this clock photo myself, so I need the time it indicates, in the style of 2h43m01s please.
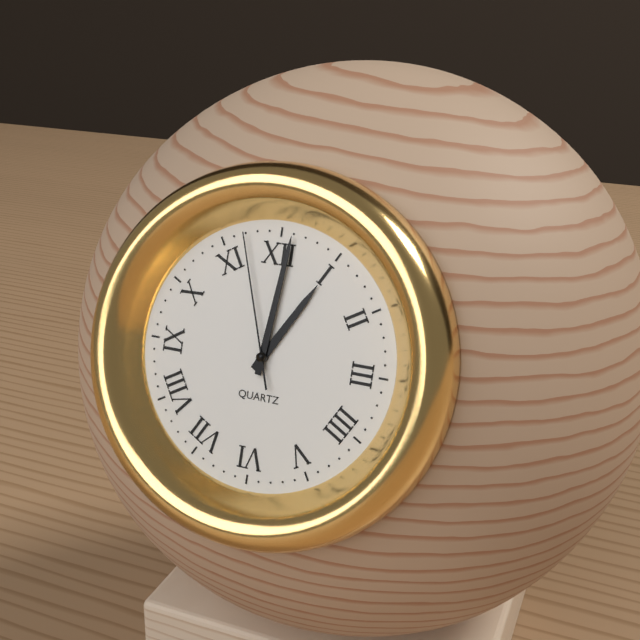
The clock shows 1h01m57s
